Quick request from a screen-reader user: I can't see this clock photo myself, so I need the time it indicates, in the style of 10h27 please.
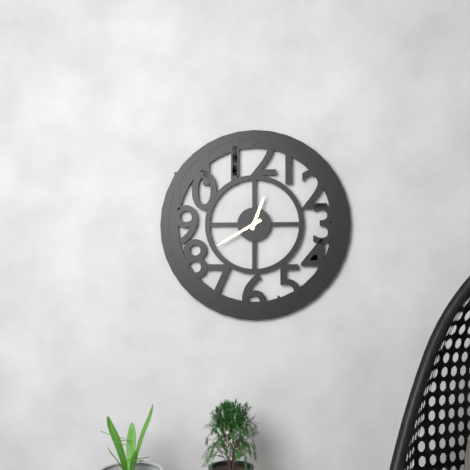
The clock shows 12h40
